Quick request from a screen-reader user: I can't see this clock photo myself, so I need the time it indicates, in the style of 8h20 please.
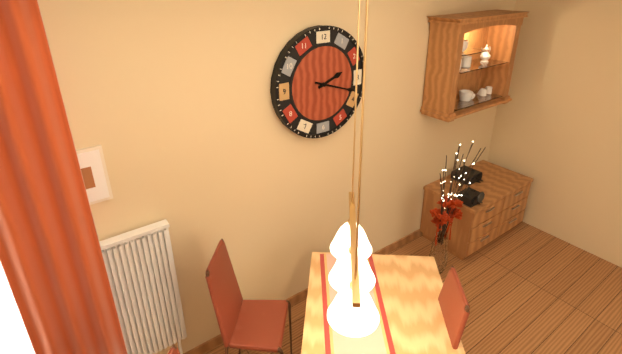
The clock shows 2h18
